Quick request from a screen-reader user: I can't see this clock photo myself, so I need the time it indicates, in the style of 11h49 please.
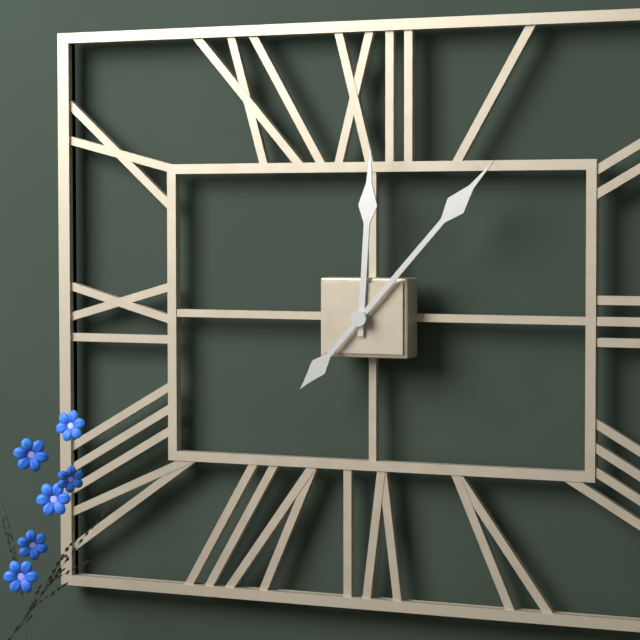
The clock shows 12h07
